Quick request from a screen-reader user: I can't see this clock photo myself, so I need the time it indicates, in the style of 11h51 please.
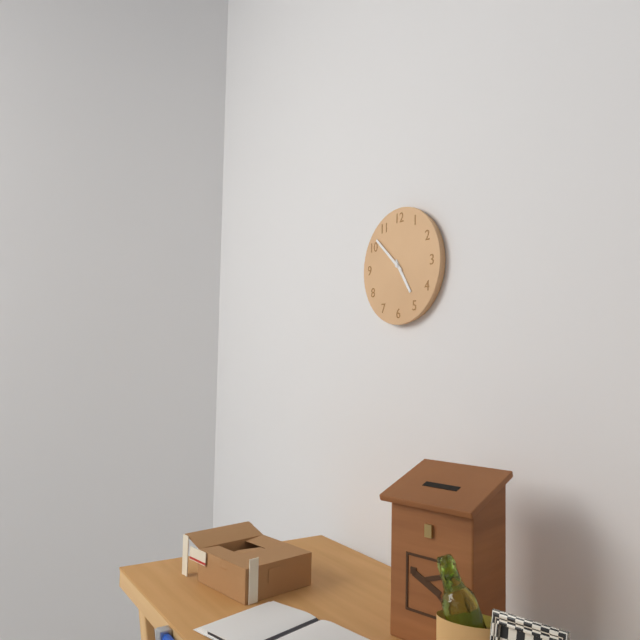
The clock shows 4h52
